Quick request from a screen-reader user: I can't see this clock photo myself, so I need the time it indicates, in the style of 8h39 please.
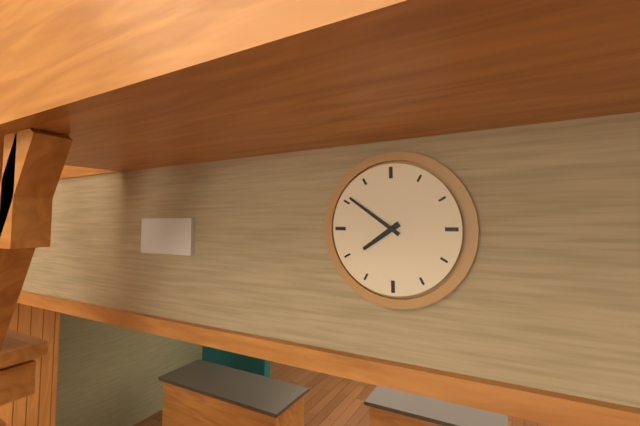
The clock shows 7h51
